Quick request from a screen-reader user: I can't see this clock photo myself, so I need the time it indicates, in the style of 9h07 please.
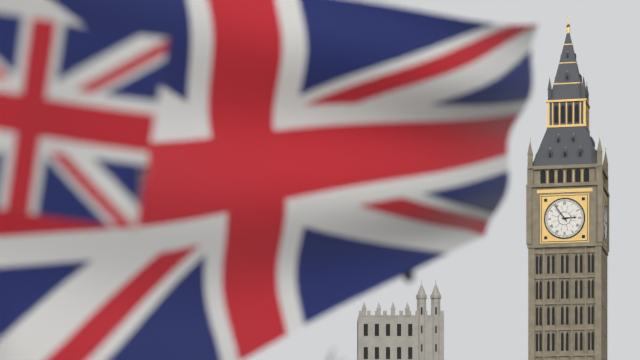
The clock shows 2h54
